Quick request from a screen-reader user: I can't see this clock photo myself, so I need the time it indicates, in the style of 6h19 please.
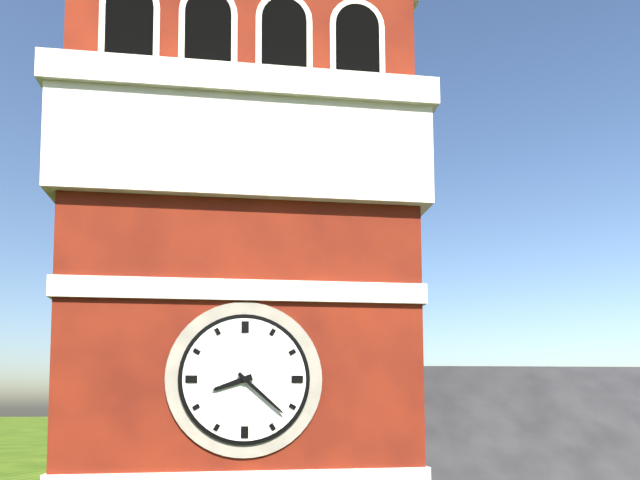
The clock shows 8h22
